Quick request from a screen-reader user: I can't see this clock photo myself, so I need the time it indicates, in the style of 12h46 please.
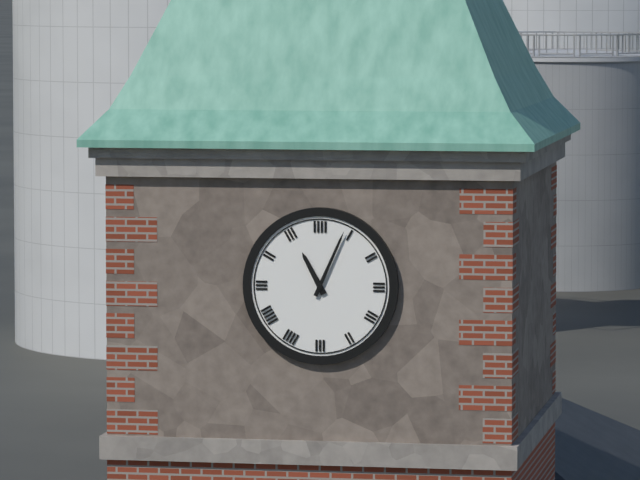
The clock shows 11h04
